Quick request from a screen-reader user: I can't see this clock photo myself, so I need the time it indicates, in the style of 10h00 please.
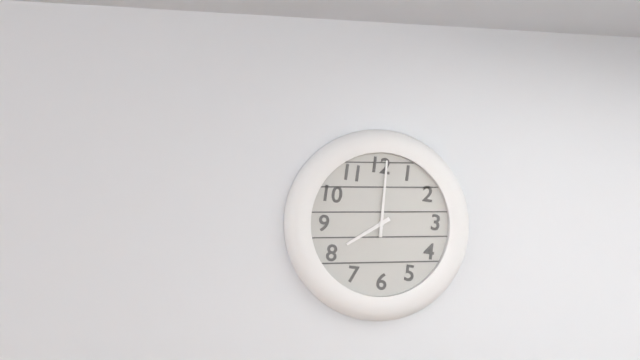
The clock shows 8h01
